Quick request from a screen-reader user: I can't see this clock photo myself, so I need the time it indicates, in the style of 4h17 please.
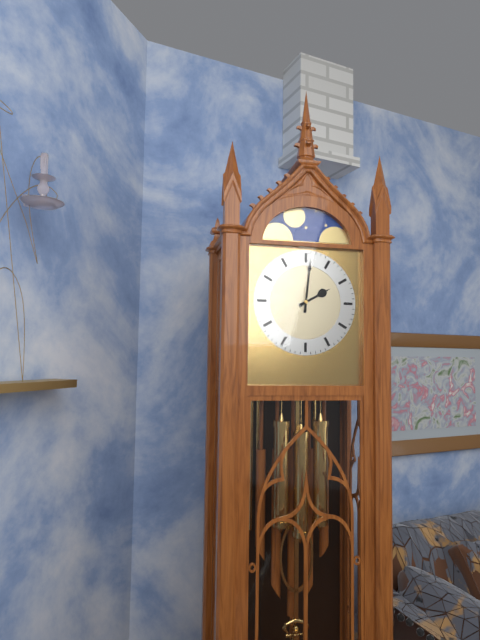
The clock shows 2h01
